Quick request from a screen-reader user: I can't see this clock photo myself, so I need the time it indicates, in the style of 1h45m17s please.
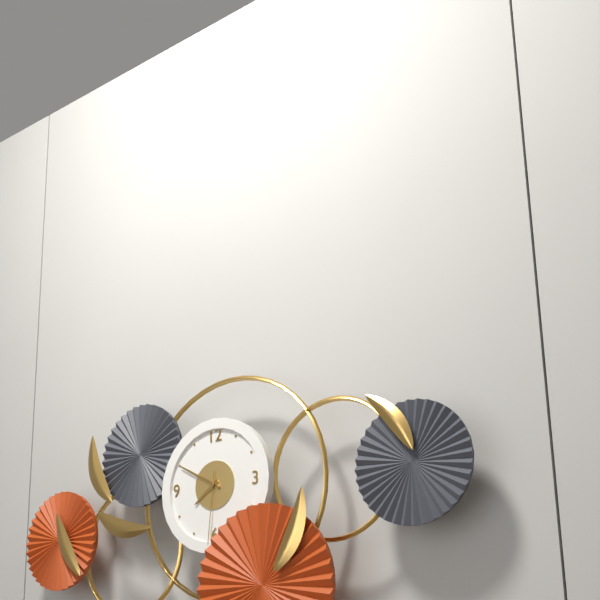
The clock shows 7h50m31s
